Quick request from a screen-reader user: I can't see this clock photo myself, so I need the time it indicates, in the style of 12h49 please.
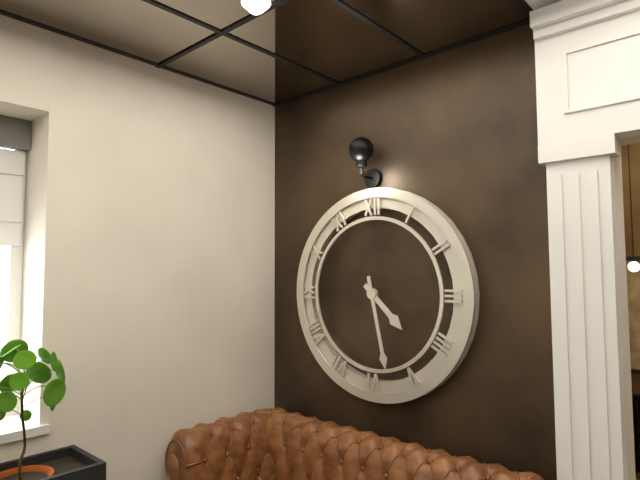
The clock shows 4h28
